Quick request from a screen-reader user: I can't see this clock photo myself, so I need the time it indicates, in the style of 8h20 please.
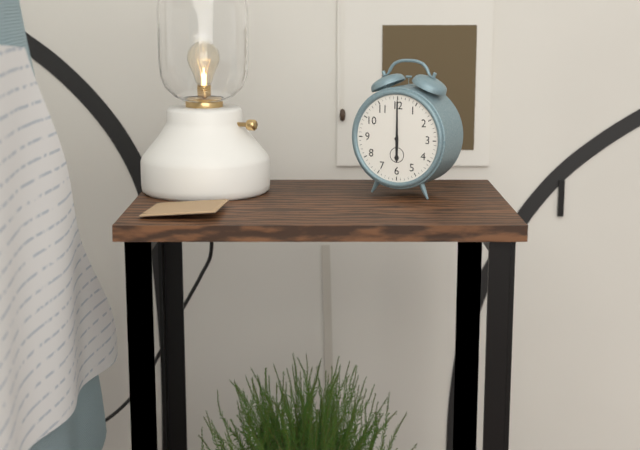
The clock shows 6h00
